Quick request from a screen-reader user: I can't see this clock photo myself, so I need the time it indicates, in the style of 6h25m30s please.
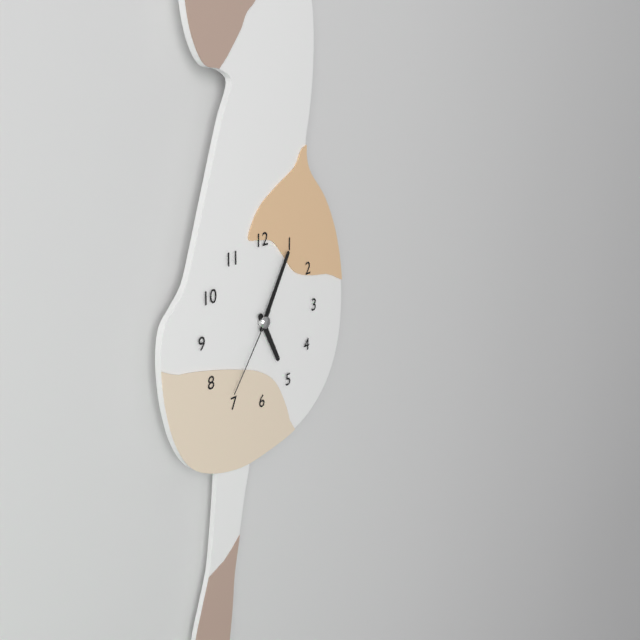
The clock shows 5h05m36s
